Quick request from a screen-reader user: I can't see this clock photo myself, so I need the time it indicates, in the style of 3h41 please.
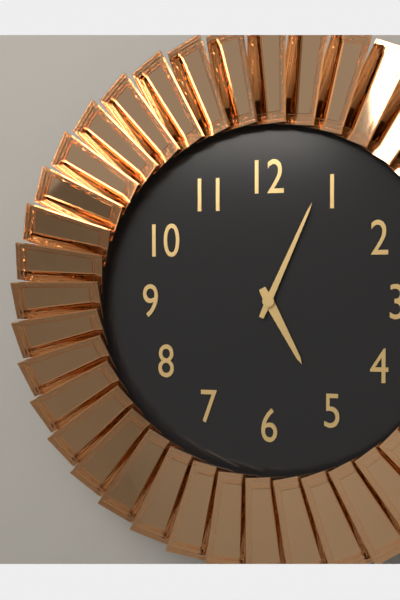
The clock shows 5h04
